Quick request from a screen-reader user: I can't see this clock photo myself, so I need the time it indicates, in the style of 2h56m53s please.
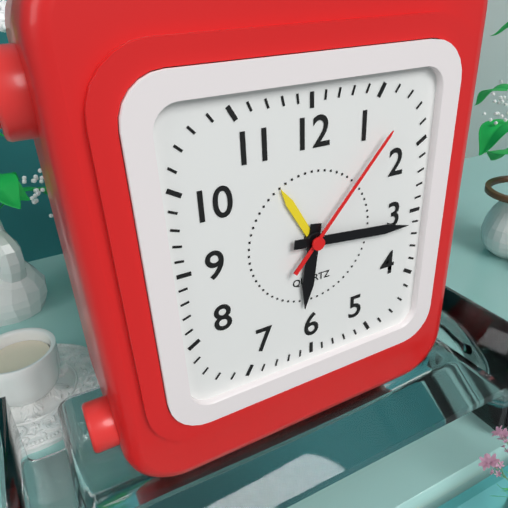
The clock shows 6h16m07s
